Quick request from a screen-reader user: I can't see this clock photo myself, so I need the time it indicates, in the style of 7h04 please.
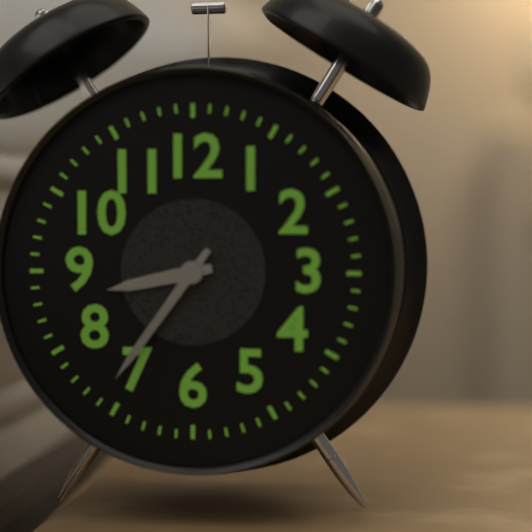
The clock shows 8h36
